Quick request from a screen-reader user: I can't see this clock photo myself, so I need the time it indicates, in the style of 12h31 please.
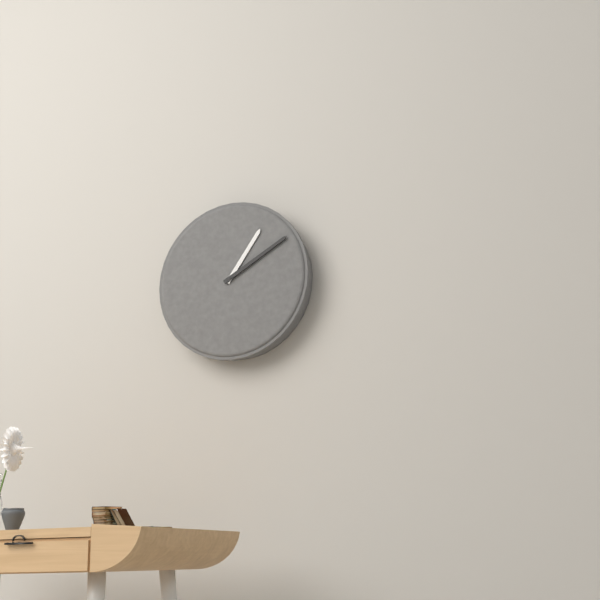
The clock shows 1h10
